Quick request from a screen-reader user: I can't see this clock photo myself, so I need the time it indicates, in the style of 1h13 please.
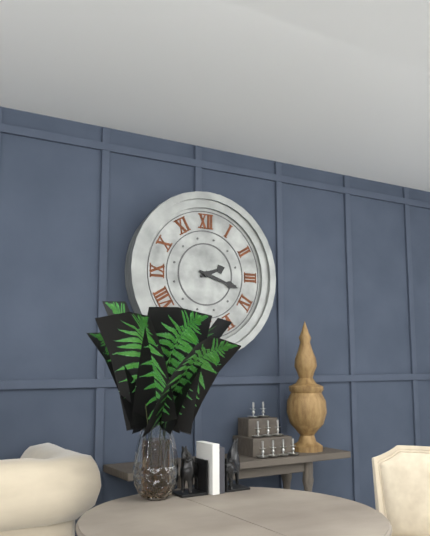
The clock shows 2h18
